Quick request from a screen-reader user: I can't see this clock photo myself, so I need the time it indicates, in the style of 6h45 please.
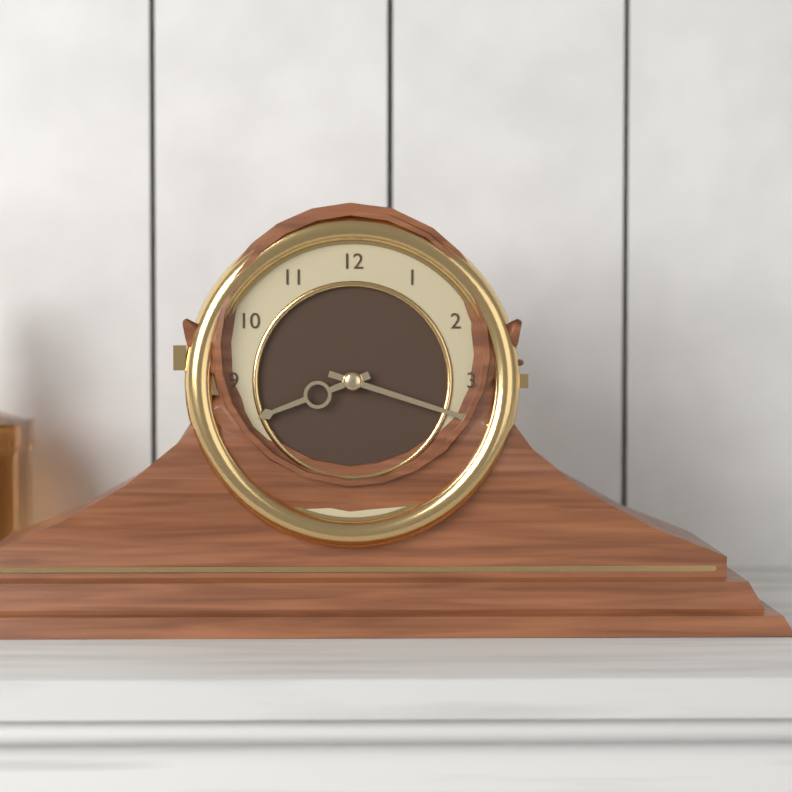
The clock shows 8h18
